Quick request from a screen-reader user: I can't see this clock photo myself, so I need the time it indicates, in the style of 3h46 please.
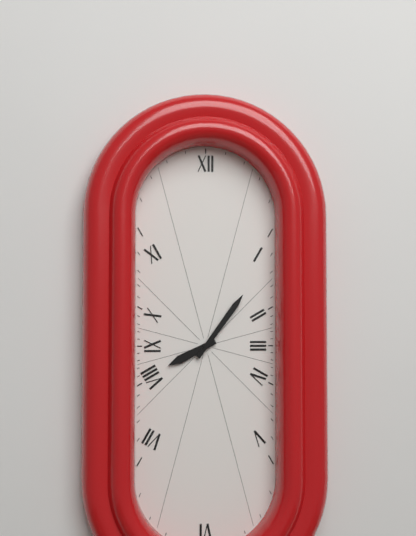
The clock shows 8h06
